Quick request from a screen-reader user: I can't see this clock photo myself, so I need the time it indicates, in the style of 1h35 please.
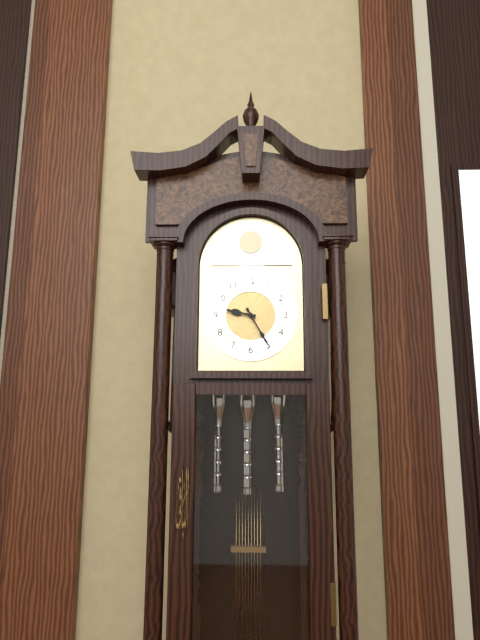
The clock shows 9h25
